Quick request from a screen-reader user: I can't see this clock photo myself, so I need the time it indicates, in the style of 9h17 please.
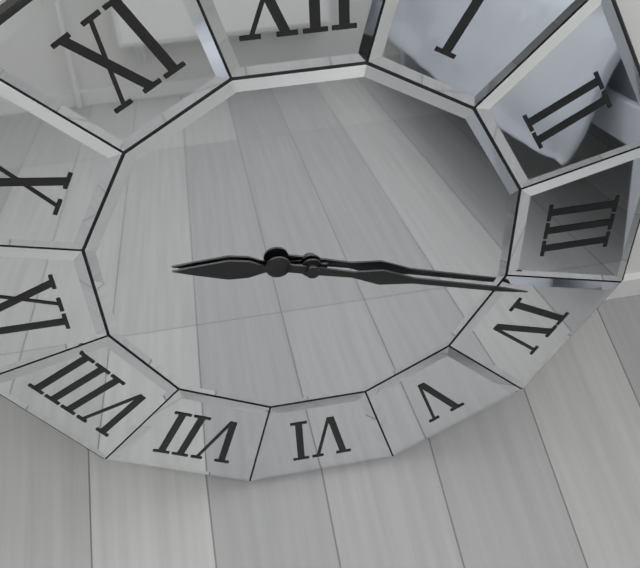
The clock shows 9h18
